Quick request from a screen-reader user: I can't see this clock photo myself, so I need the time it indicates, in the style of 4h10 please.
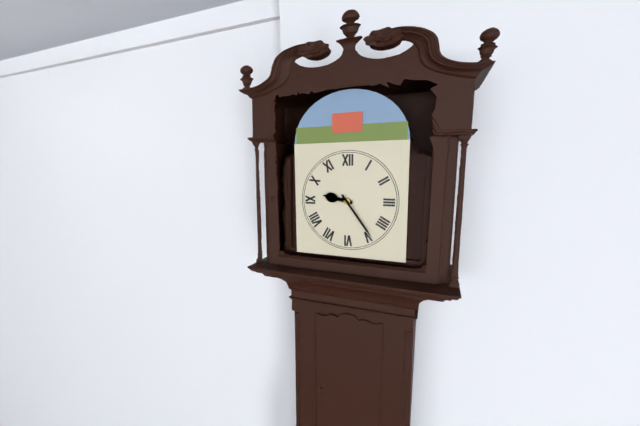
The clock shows 9h24
